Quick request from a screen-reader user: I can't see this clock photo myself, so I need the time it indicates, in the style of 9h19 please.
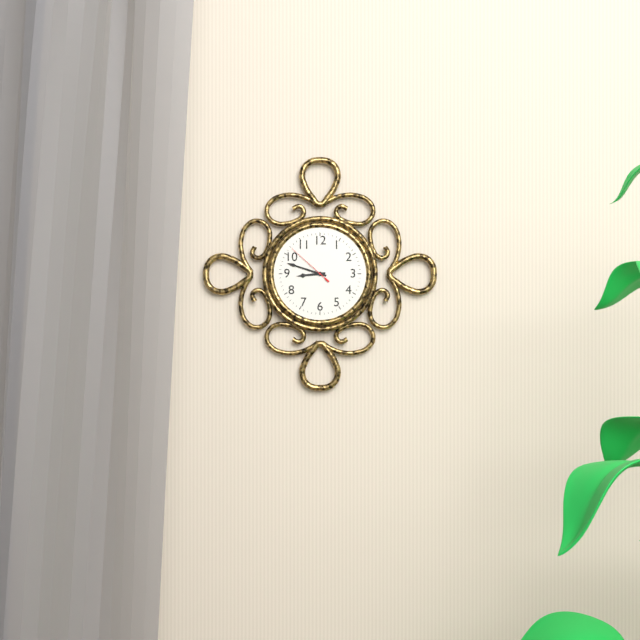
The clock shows 8h48
